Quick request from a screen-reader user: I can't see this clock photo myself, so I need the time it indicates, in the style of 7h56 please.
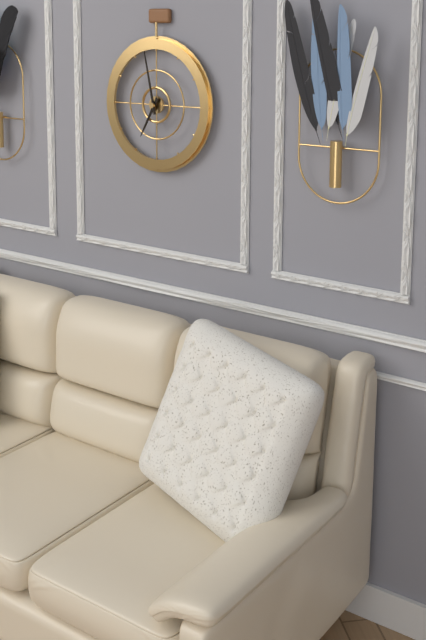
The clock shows 6h58
